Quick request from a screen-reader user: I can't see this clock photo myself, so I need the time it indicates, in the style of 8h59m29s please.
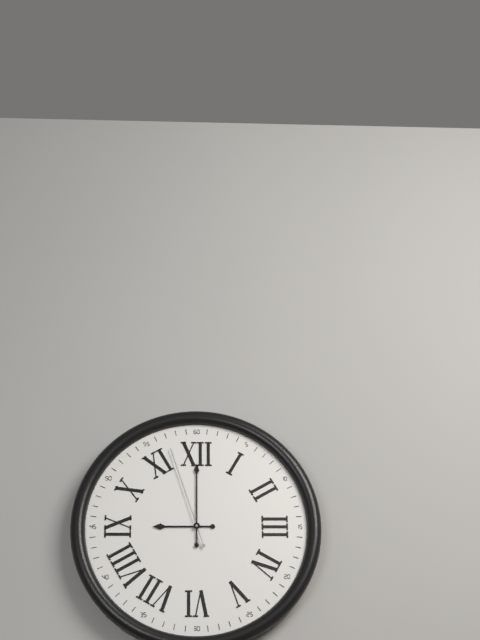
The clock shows 9h00m57s
